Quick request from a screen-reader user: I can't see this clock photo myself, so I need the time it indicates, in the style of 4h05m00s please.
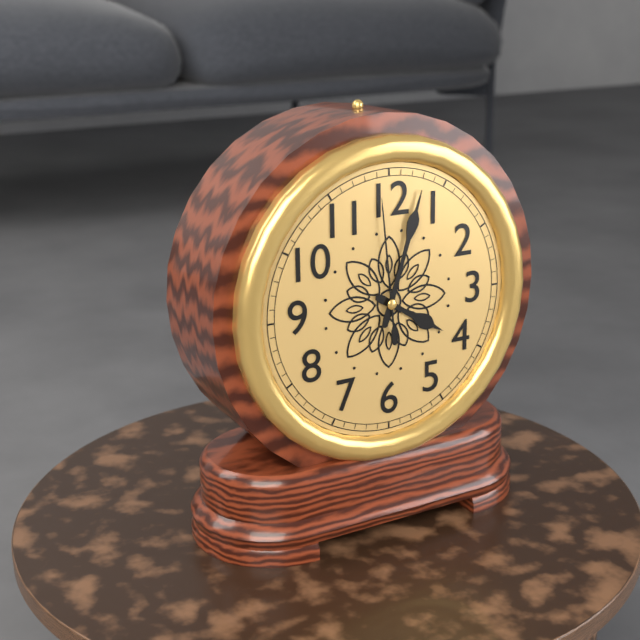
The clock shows 4h03m59s
